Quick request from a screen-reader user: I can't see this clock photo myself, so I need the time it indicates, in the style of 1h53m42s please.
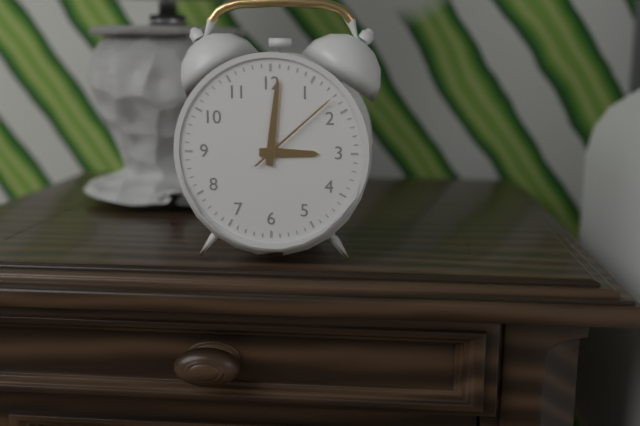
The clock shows 3h01m08s
